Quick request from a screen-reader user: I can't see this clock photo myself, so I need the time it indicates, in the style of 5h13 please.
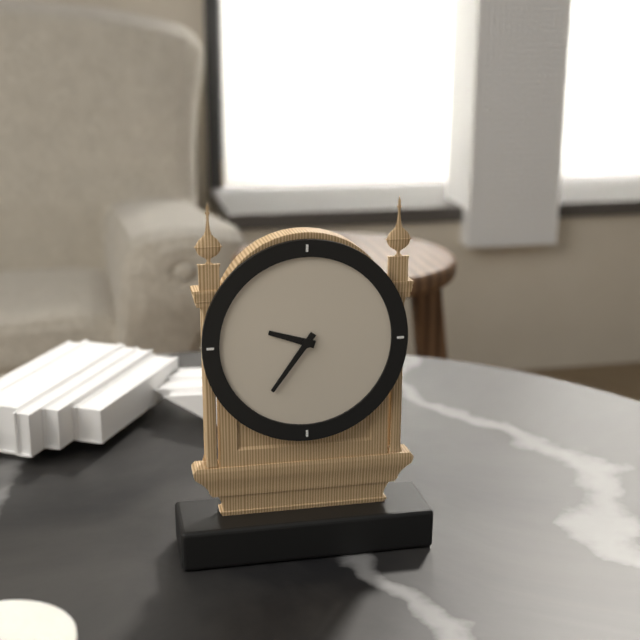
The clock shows 9h36
